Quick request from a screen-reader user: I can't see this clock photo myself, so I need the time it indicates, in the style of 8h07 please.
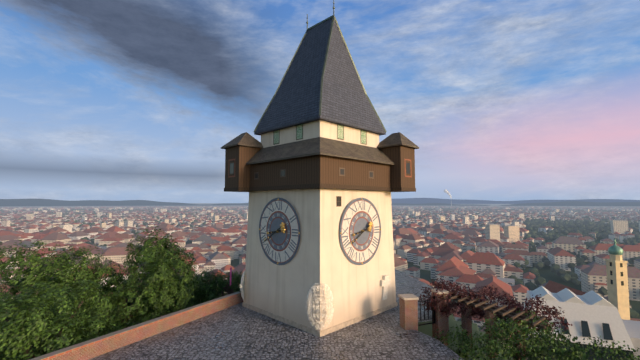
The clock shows 8h40
